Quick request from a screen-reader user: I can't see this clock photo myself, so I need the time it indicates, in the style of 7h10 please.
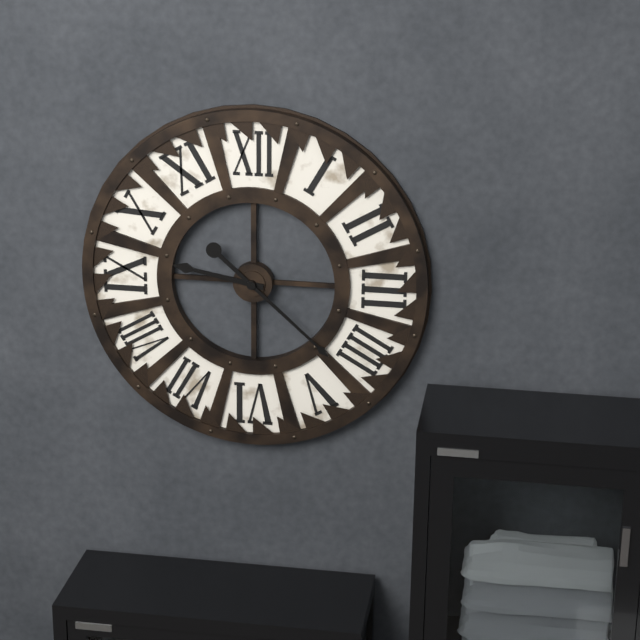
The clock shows 9h22
